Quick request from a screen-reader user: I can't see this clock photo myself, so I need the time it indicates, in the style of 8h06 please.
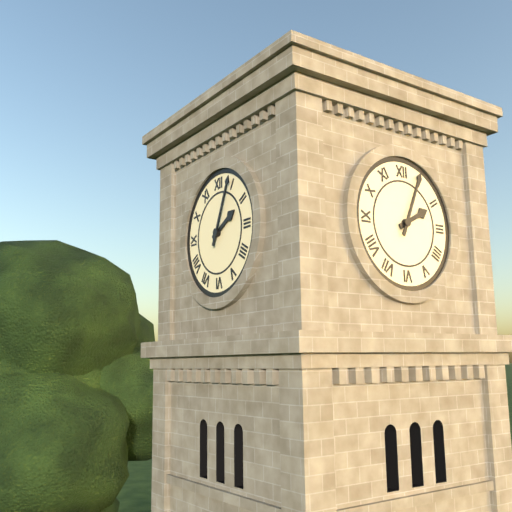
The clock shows 2h04
